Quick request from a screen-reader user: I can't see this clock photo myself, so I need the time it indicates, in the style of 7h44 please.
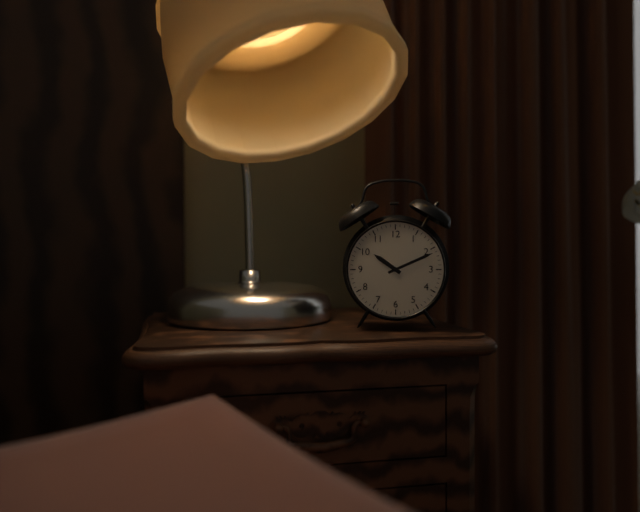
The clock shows 10h11
